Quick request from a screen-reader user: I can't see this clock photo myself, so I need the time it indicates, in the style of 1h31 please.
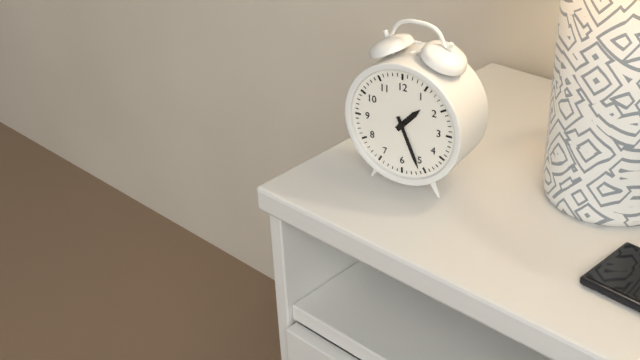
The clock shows 1h26
